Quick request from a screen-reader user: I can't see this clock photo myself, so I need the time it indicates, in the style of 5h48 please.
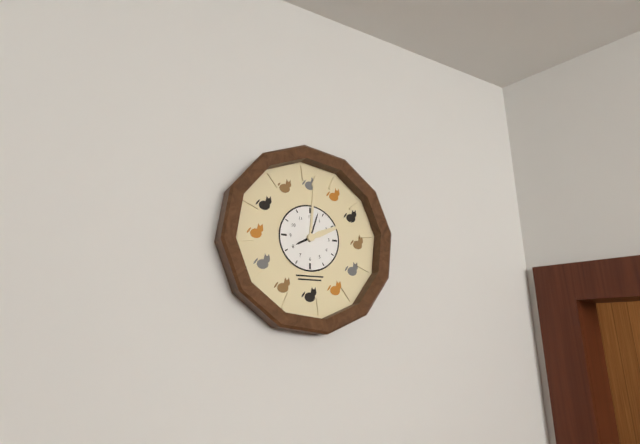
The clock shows 8h03
